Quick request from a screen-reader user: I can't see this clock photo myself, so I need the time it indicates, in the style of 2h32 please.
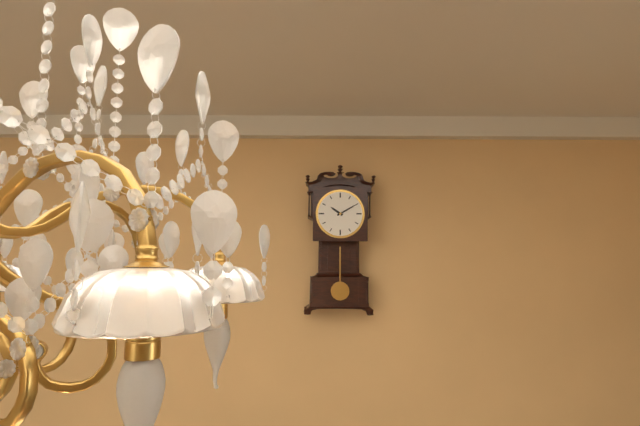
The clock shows 10h10
